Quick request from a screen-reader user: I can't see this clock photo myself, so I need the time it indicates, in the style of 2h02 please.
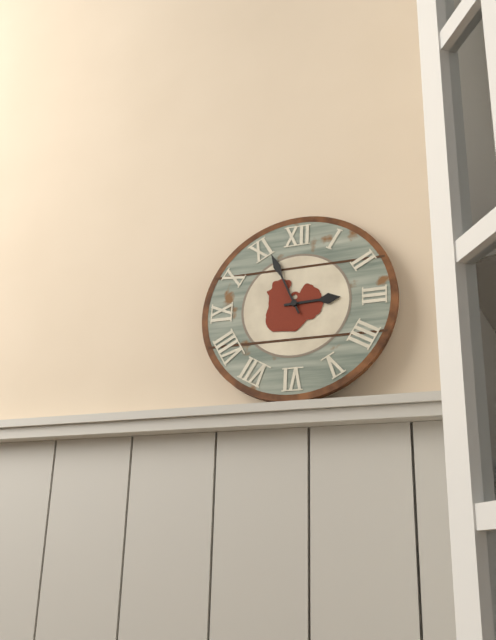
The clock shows 2h56
